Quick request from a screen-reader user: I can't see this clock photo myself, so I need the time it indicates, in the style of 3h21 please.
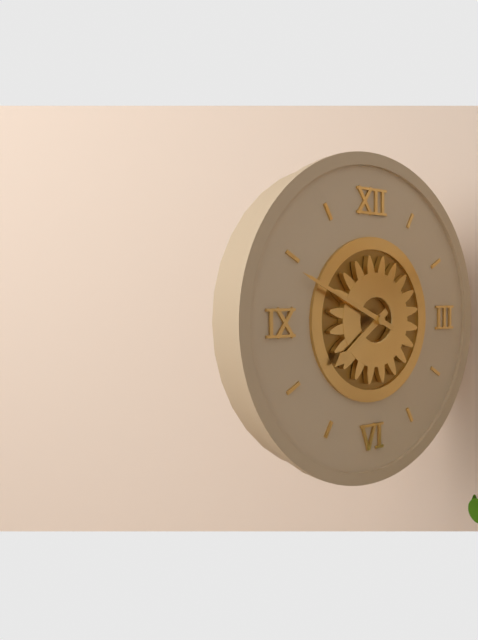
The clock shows 7h49
